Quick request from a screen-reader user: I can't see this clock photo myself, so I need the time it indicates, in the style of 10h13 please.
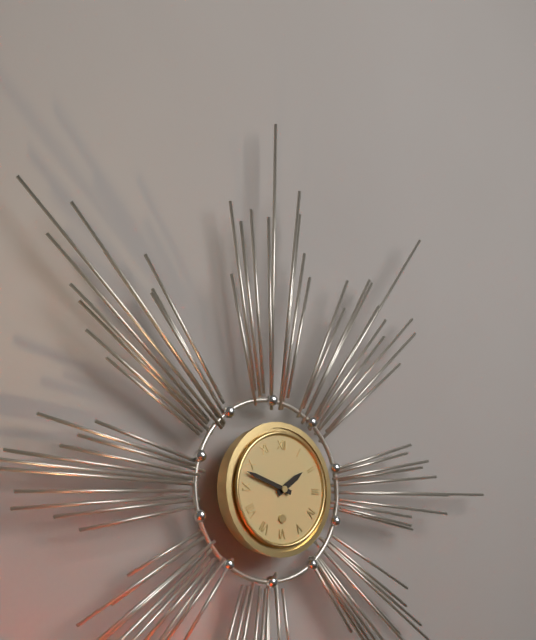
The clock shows 1h48
